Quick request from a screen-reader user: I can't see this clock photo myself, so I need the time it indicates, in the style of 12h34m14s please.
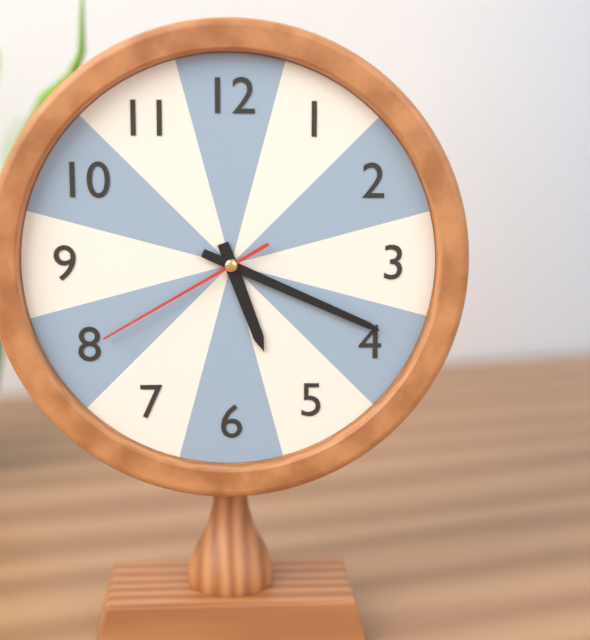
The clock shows 5h19m40s
